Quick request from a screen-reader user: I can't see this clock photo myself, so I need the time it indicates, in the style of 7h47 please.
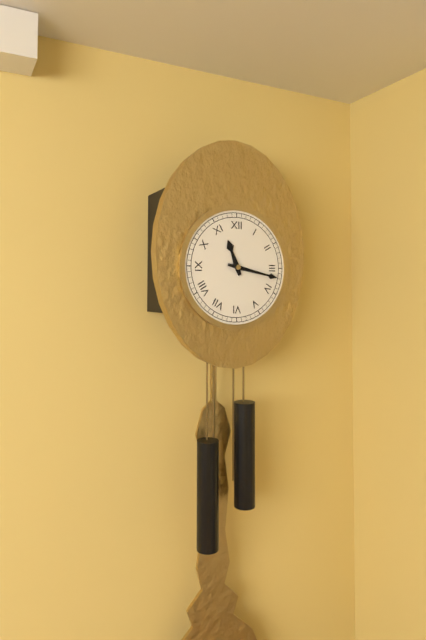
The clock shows 11h17
